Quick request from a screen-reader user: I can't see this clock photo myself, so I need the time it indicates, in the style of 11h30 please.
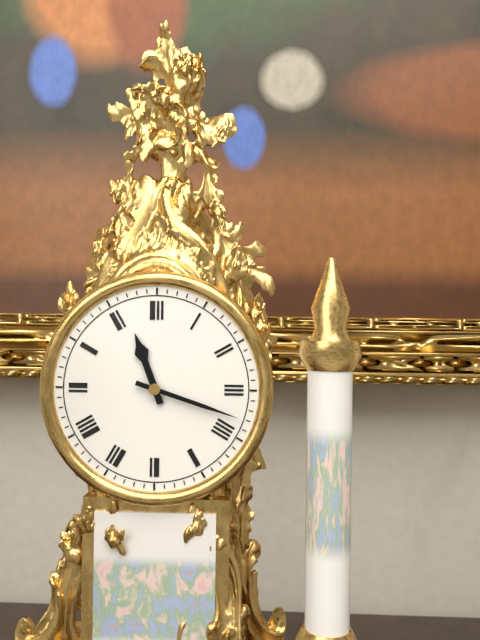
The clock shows 11h18
